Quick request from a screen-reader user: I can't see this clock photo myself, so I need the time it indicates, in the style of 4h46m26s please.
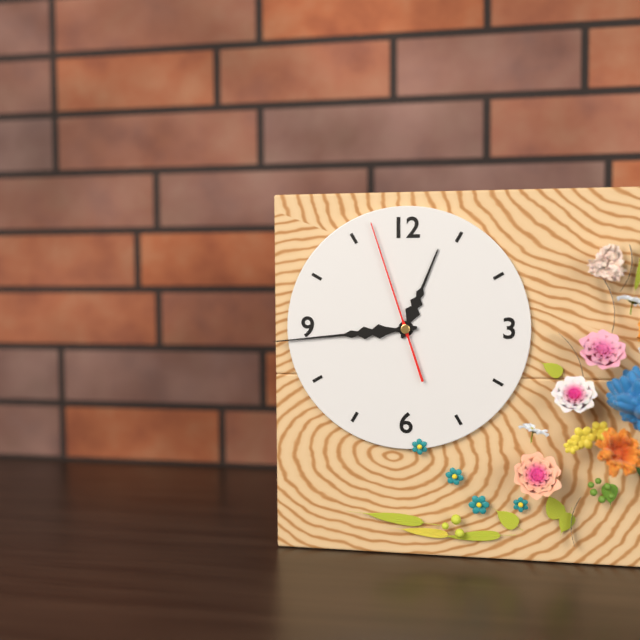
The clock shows 12h44m57s
